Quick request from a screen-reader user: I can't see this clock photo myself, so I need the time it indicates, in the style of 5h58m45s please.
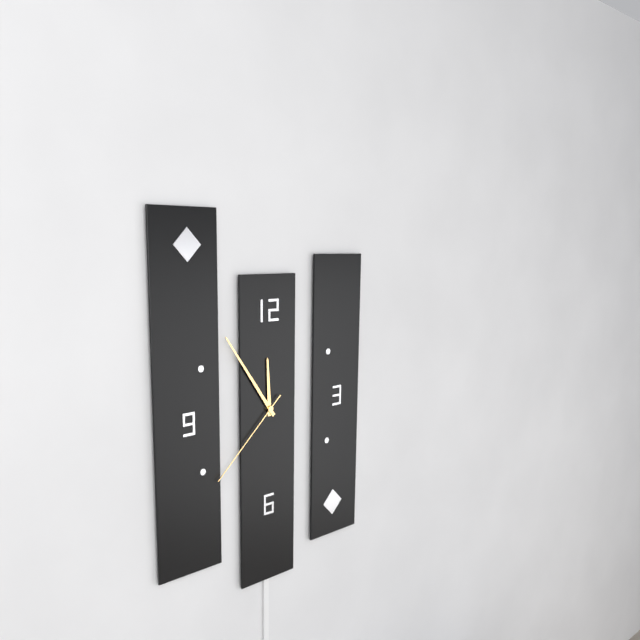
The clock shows 11h54m38s
